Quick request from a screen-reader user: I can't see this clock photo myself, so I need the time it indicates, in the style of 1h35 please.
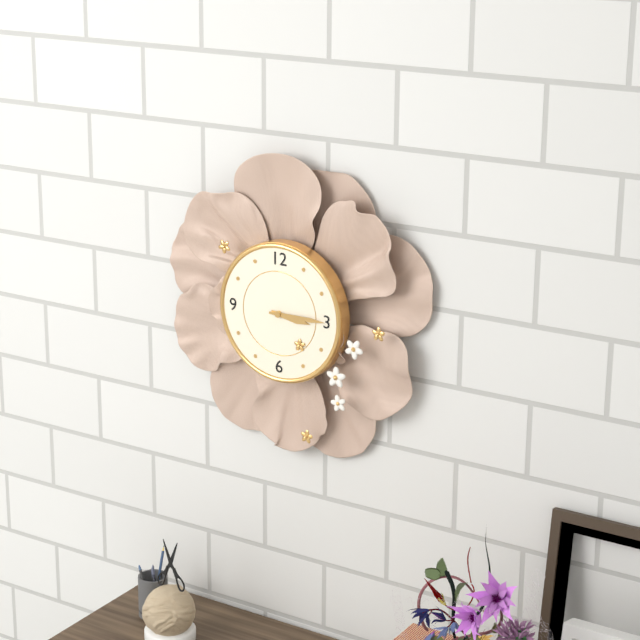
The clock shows 3h15
